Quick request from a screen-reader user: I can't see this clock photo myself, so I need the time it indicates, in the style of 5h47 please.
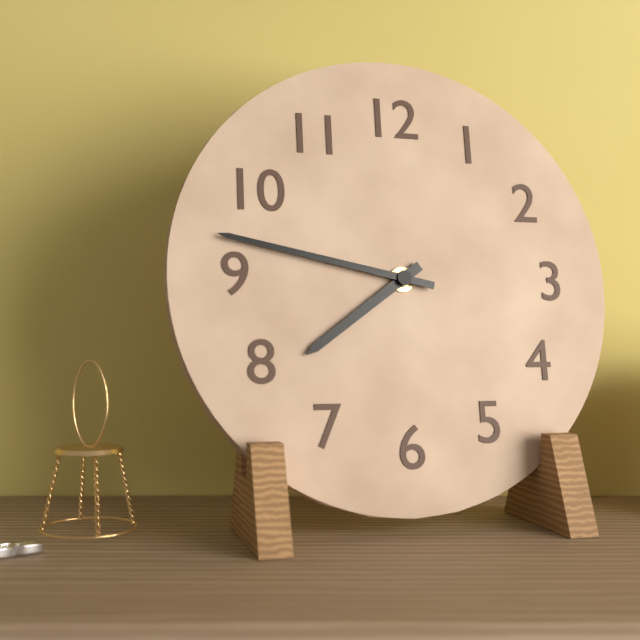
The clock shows 7h47
